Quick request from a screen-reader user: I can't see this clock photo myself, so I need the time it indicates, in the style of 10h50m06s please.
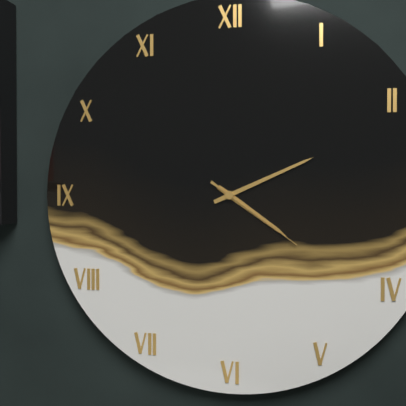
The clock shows 4h11m21s
